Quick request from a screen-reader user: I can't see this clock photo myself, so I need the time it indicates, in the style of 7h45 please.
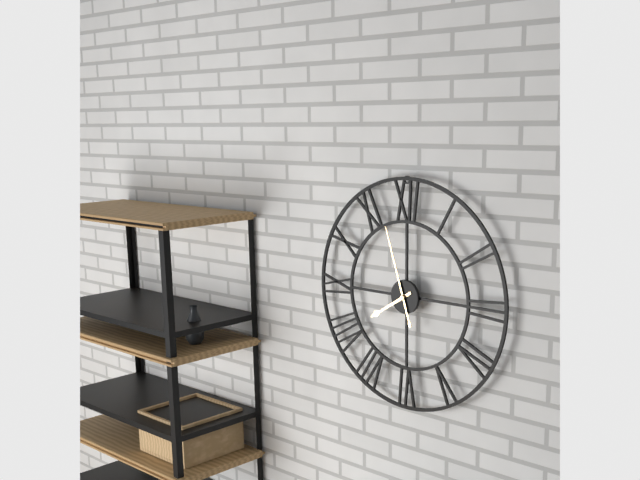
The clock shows 7h57
